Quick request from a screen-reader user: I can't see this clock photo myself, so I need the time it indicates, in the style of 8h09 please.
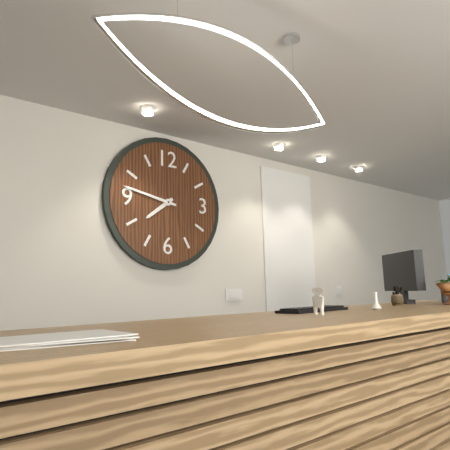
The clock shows 7h47
